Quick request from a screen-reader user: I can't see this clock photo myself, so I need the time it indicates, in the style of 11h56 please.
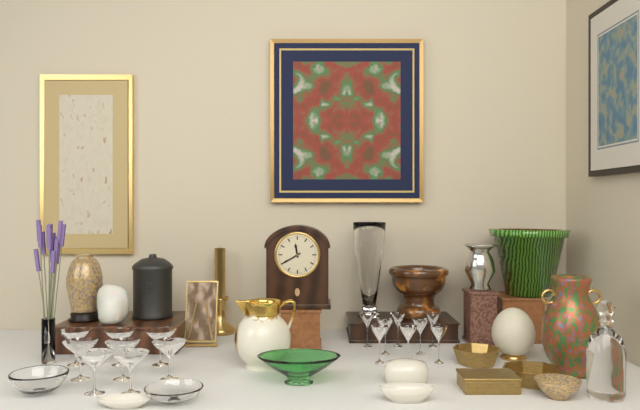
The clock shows 11h40
